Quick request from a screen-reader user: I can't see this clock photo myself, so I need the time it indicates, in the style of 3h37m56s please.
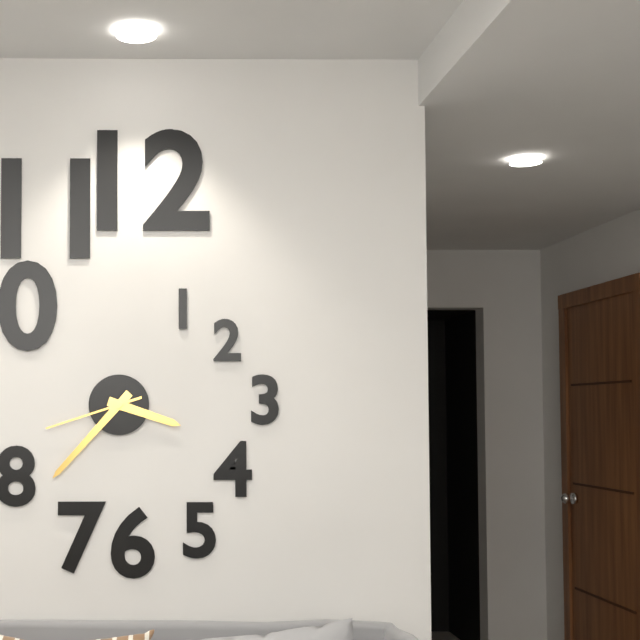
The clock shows 3h37m42s
